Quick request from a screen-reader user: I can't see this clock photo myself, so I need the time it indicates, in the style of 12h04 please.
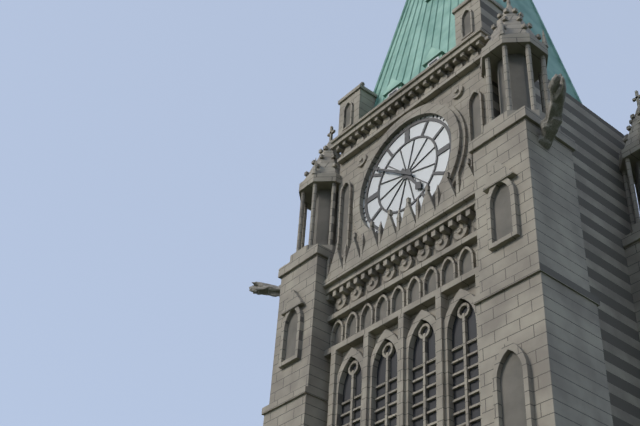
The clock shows 4h51
